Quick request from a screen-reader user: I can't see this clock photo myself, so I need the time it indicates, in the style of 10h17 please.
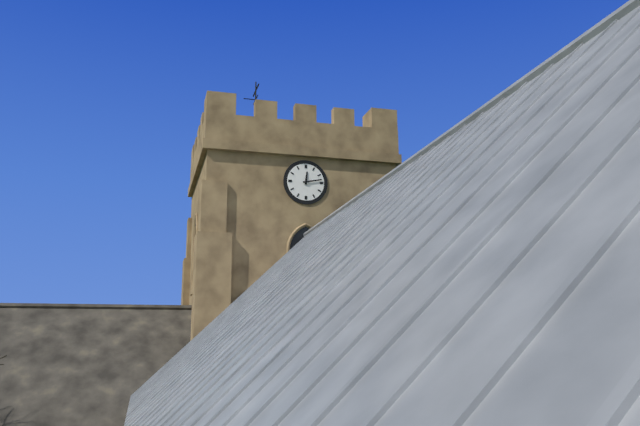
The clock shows 12h13
